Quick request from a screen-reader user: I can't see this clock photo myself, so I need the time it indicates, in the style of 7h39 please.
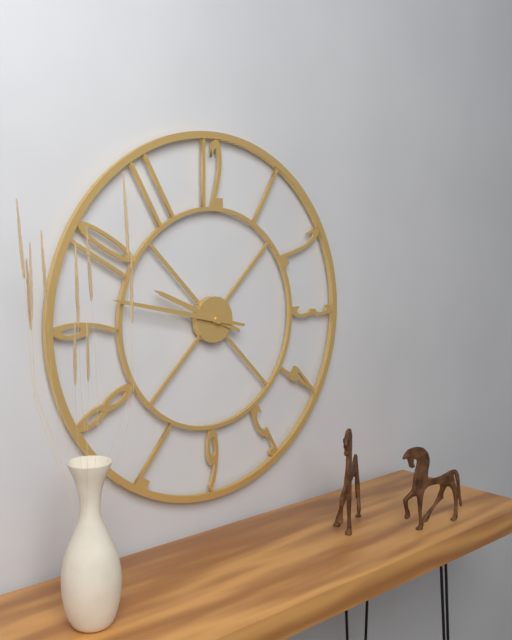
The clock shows 9h47
